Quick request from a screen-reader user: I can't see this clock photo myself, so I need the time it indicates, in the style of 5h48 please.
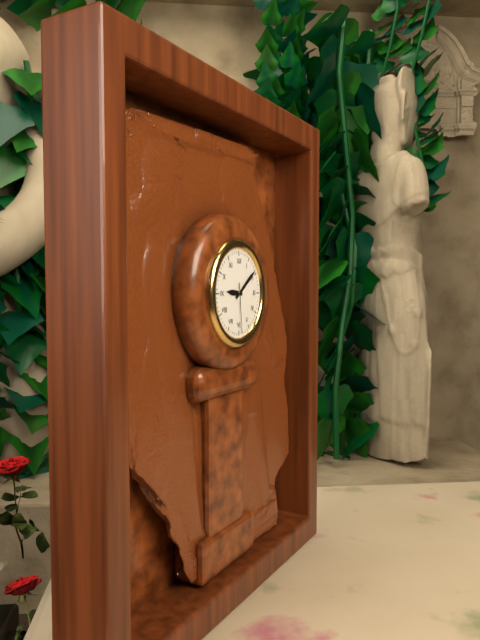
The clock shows 9h09
